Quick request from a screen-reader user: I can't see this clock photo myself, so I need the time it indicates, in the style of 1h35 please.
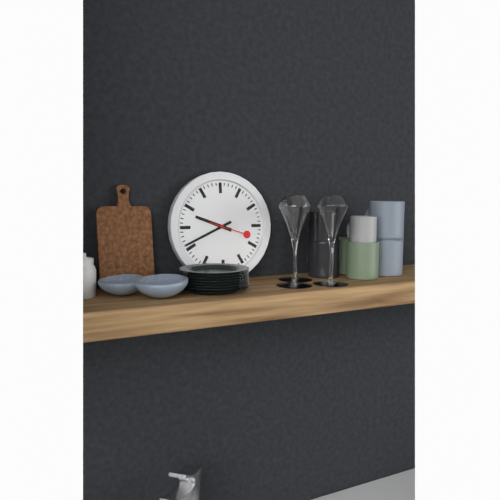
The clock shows 9h41
